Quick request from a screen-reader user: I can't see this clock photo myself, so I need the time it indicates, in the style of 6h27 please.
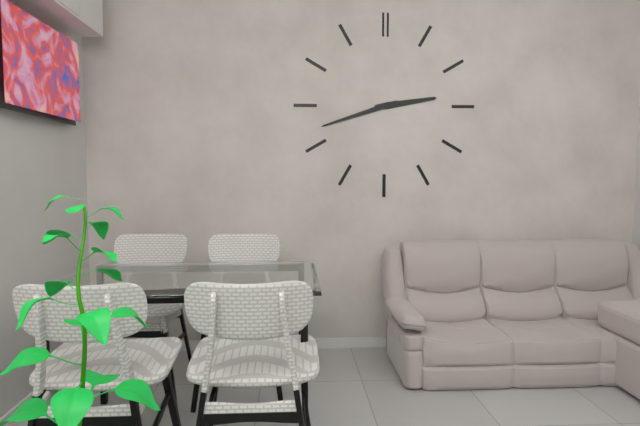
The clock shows 2h42
